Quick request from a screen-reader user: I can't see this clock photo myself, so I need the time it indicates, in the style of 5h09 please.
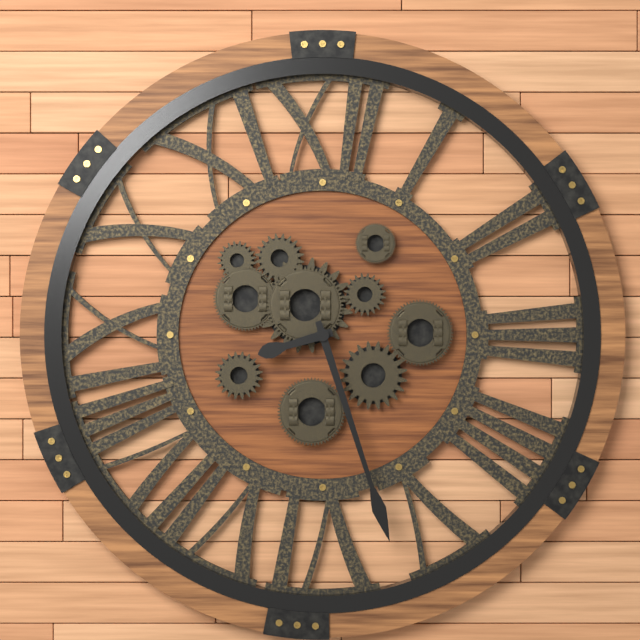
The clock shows 8h27
